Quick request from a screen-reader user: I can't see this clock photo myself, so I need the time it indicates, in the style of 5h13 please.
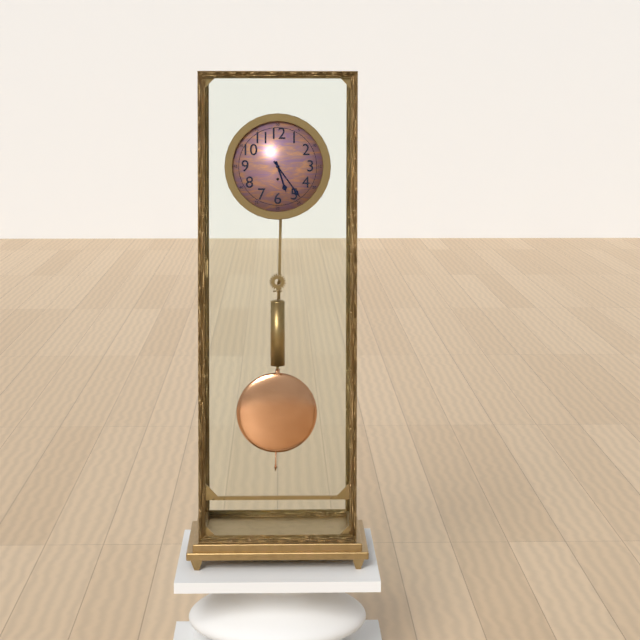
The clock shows 5h24
